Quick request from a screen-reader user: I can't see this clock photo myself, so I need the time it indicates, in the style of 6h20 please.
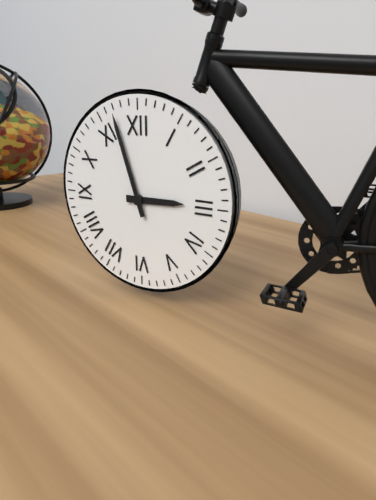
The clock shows 2h57
